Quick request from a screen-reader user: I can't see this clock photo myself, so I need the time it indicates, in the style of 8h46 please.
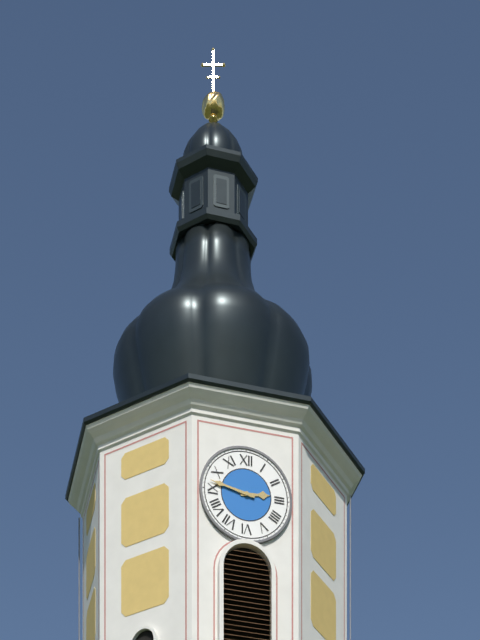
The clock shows 2h47
